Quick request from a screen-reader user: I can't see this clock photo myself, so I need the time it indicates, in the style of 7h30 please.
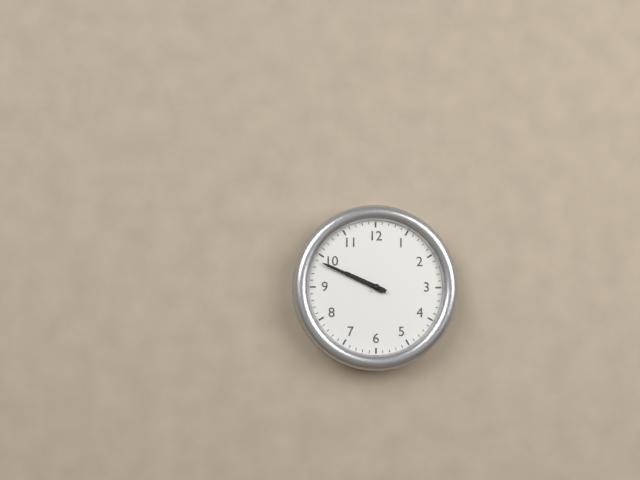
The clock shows 9h49
